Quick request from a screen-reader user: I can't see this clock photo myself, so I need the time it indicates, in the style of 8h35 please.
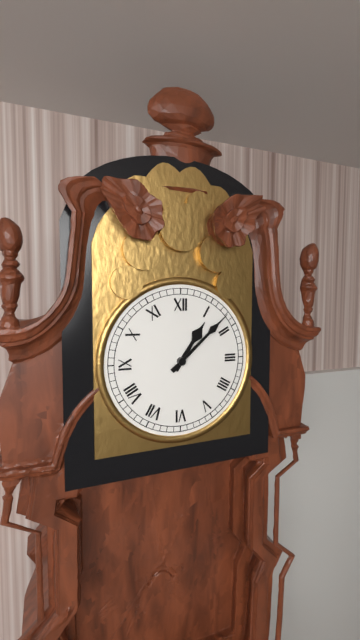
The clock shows 1h08
